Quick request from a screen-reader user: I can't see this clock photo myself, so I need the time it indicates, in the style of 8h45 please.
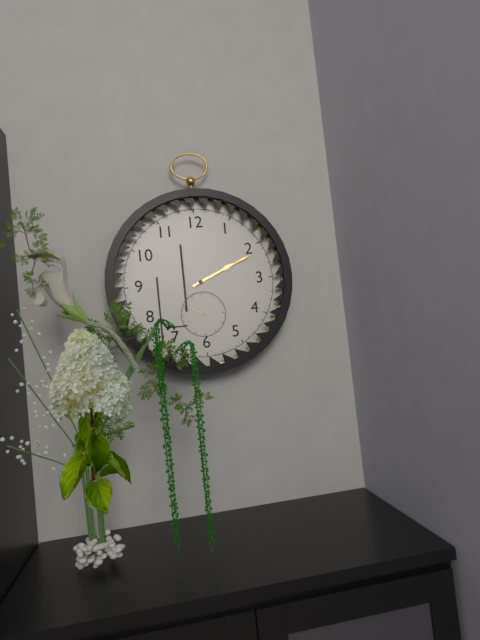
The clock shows 2h11
